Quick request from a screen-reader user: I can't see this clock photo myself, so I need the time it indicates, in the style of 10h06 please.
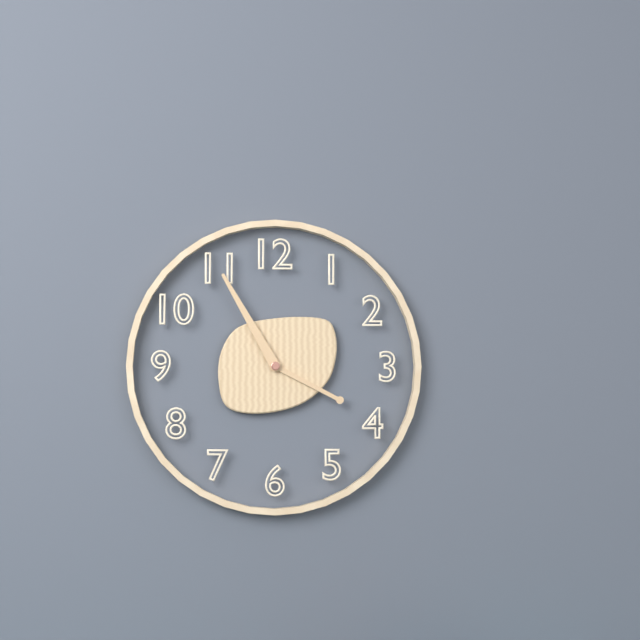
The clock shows 3h55
